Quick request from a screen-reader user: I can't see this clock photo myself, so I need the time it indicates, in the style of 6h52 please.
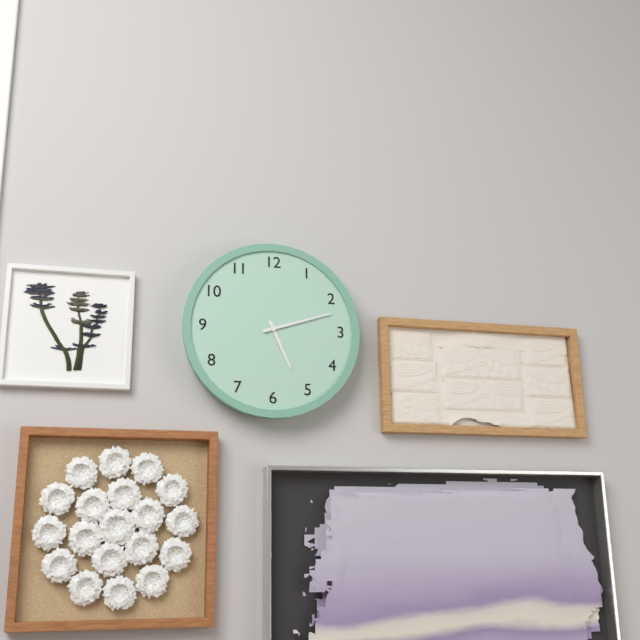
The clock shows 5h12
